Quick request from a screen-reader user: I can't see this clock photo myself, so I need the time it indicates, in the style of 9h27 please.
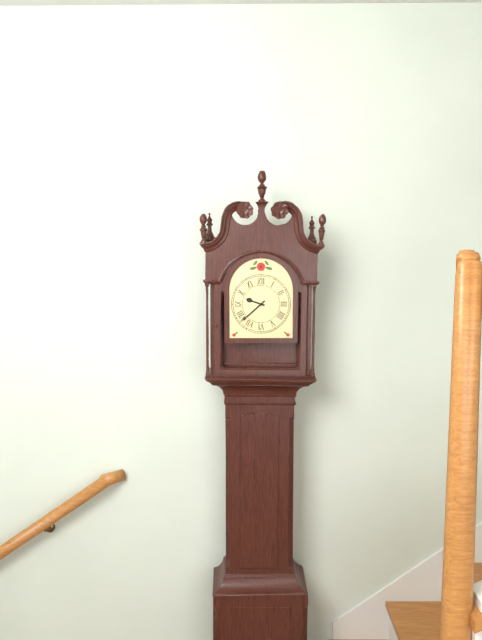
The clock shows 9h38
